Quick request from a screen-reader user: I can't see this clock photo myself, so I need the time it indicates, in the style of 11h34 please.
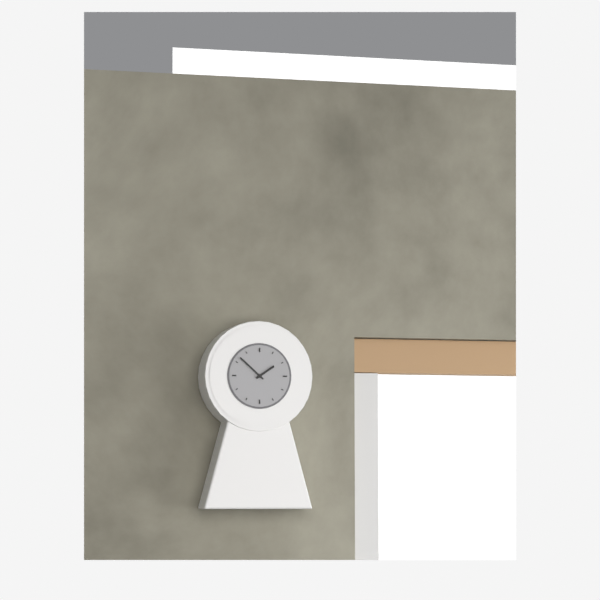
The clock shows 1h52
